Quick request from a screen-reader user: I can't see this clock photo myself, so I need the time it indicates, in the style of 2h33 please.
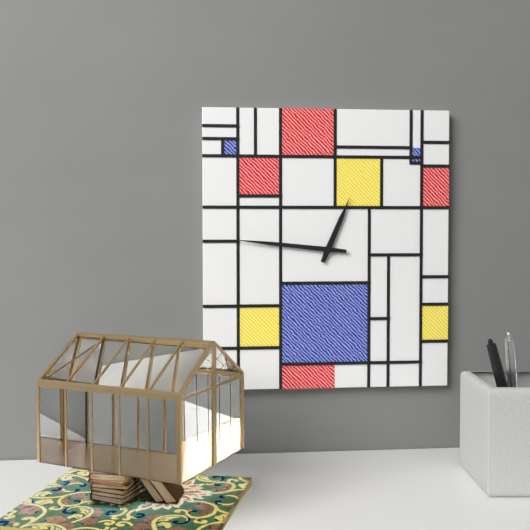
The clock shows 12h46
